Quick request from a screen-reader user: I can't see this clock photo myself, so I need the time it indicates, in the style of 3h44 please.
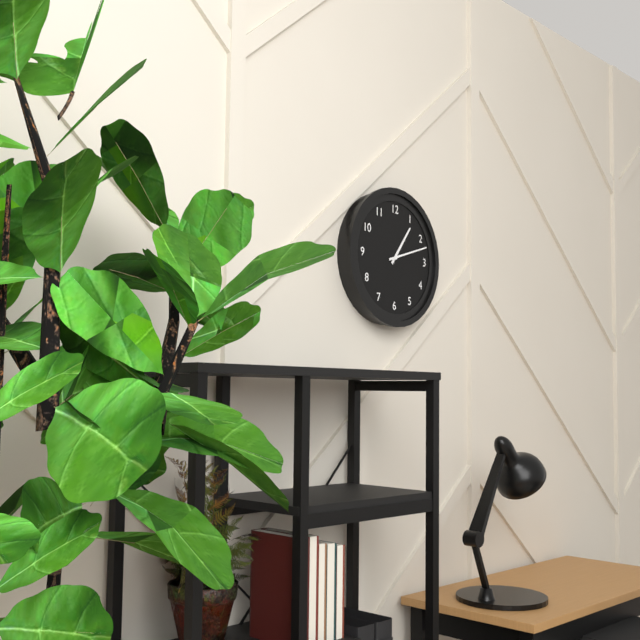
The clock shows 1h12
